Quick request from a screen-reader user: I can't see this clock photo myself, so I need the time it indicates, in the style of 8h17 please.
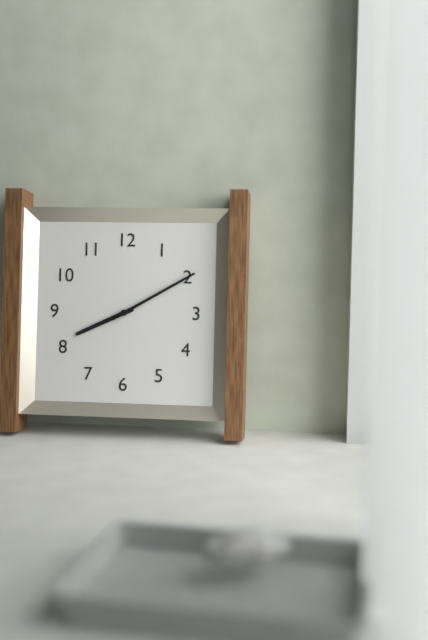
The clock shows 8h10
